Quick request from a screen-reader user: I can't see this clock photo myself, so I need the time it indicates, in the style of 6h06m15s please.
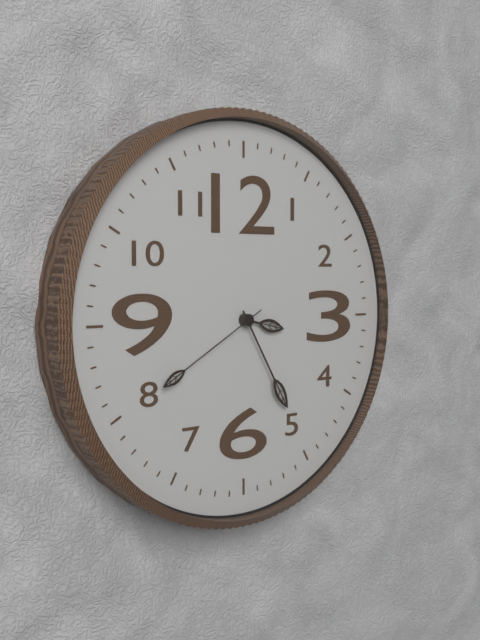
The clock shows 3h25m40s
